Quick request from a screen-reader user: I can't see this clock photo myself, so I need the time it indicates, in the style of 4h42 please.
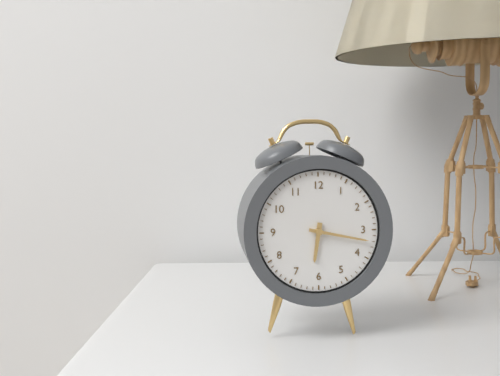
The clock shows 6h17
